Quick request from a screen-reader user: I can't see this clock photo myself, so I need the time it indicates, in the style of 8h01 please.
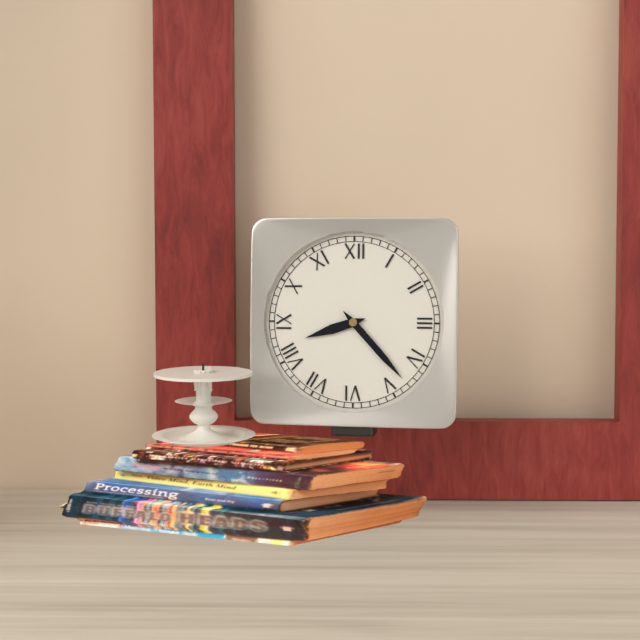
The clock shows 8h23
